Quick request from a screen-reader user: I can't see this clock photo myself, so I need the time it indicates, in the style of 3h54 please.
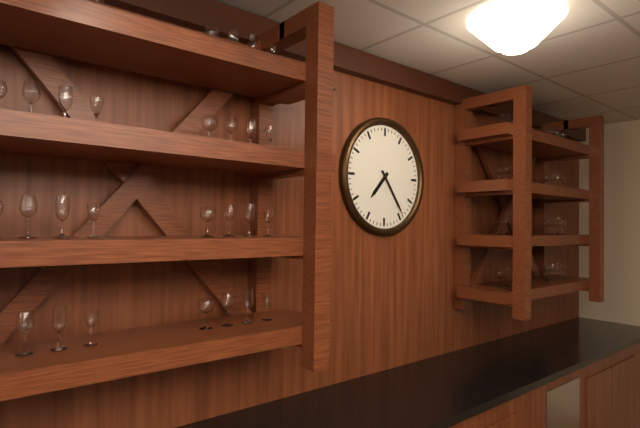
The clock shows 7h24
